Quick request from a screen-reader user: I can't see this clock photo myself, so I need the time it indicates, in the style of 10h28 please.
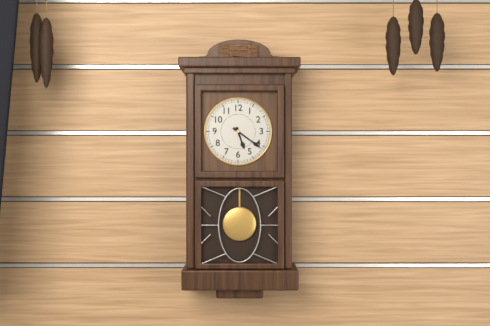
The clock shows 5h21
